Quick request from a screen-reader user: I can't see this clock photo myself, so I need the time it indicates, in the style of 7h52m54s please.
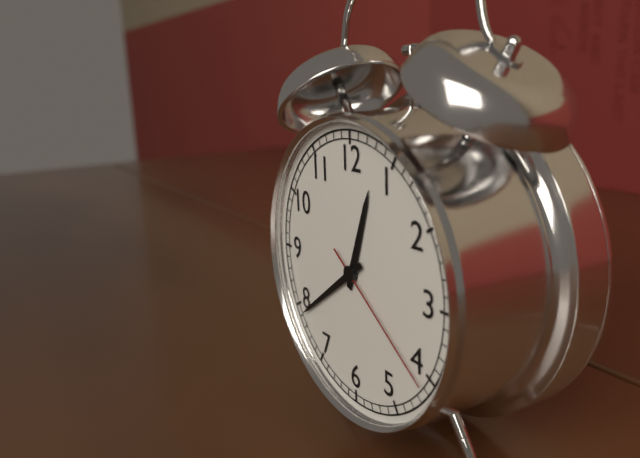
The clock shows 12h39m21s
